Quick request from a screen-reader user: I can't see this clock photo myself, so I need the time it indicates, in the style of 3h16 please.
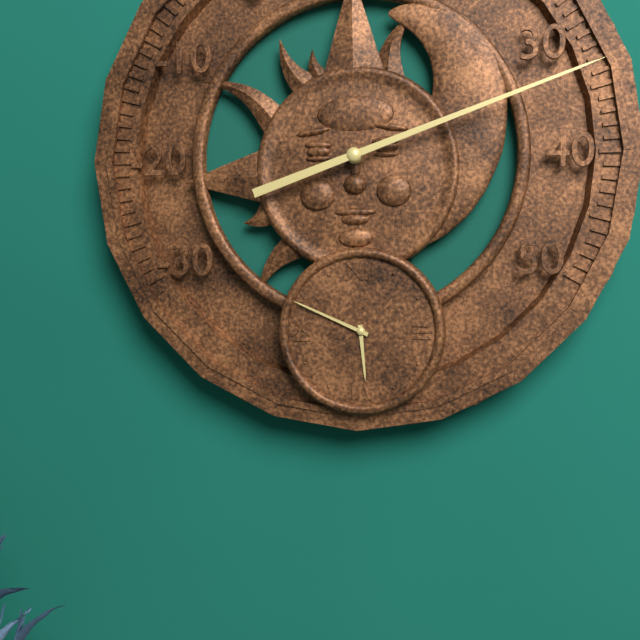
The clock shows 5h49
